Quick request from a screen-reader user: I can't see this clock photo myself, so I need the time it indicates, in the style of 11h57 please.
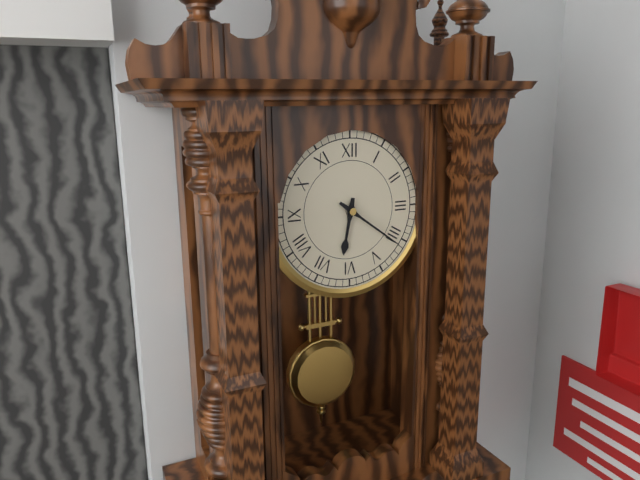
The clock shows 6h21
